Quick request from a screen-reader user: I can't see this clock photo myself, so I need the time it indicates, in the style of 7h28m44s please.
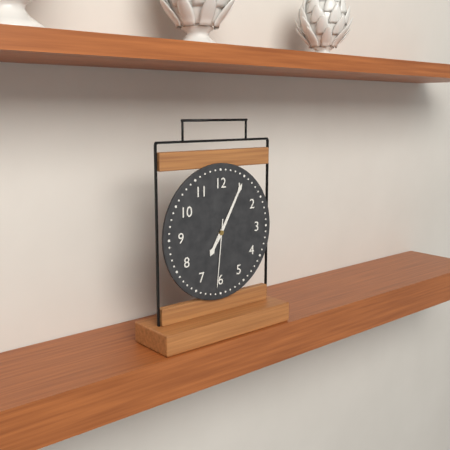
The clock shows 7h05m31s
